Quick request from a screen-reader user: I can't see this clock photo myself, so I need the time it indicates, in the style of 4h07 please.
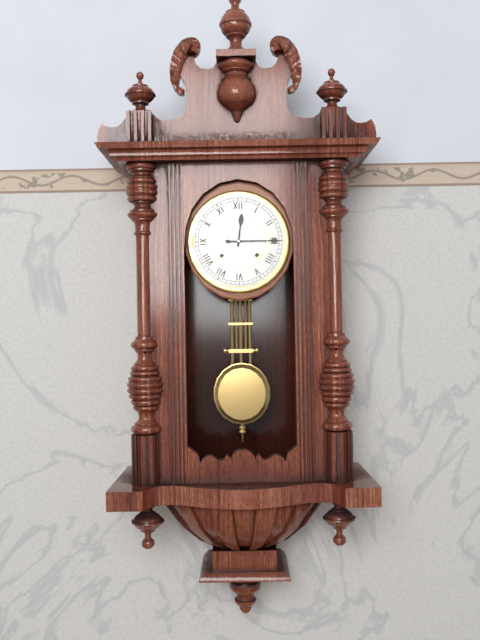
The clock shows 12h15
